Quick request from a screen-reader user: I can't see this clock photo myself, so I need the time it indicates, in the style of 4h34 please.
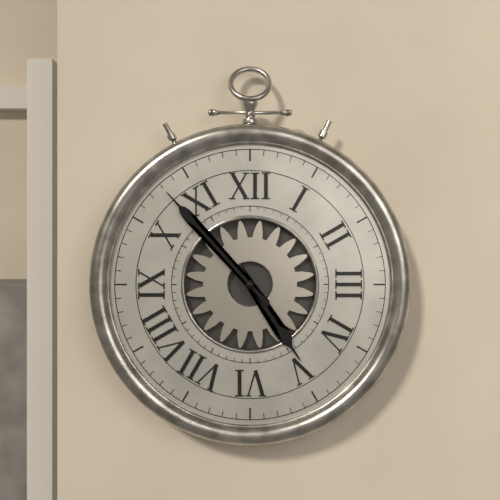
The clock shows 4h53
